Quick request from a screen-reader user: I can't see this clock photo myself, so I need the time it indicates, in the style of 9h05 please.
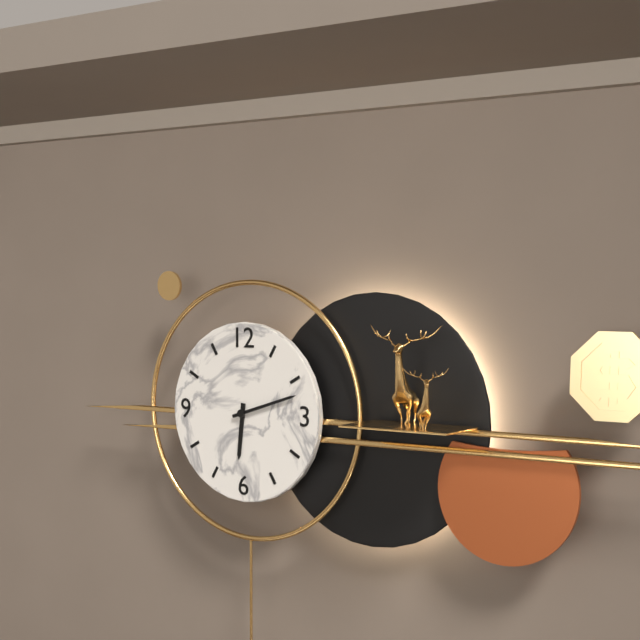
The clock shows 6h12
